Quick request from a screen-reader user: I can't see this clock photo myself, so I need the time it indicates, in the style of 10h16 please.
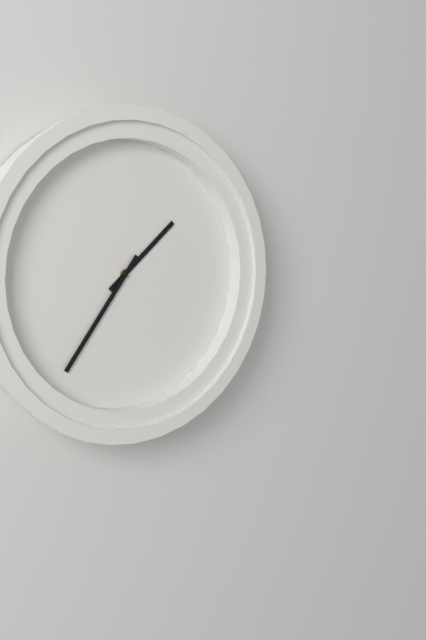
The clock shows 1h36
